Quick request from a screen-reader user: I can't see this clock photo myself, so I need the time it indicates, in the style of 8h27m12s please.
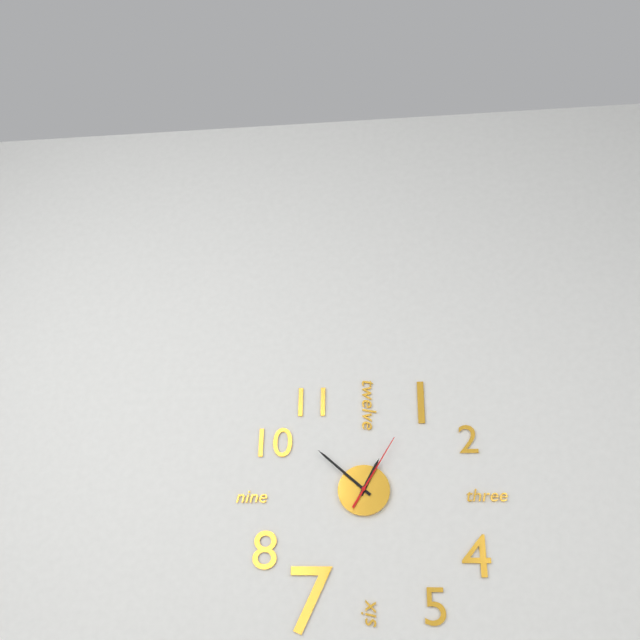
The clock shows 12h52m05s
